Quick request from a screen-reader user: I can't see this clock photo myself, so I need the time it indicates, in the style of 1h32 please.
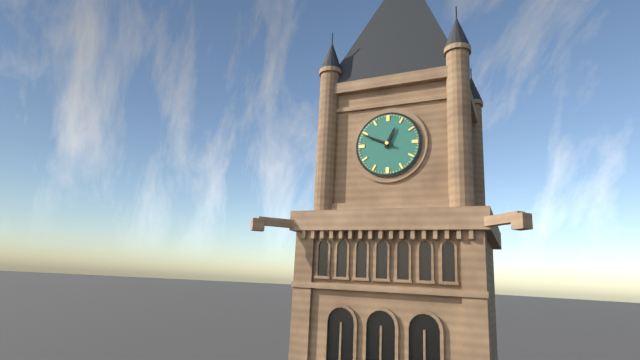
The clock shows 12h49
